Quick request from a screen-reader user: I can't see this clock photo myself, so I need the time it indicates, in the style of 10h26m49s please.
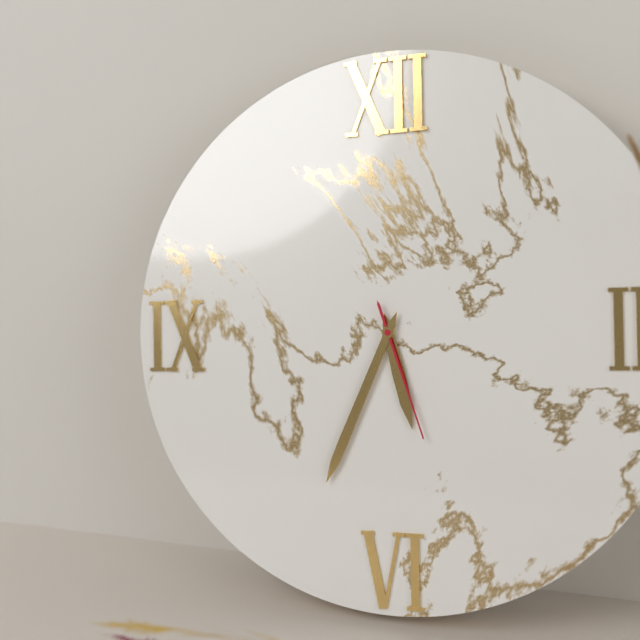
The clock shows 5h34m27s
